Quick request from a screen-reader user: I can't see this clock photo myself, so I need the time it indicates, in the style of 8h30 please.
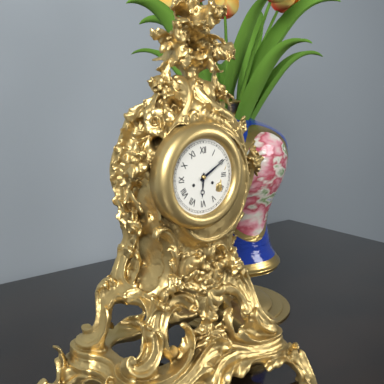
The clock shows 6h10
